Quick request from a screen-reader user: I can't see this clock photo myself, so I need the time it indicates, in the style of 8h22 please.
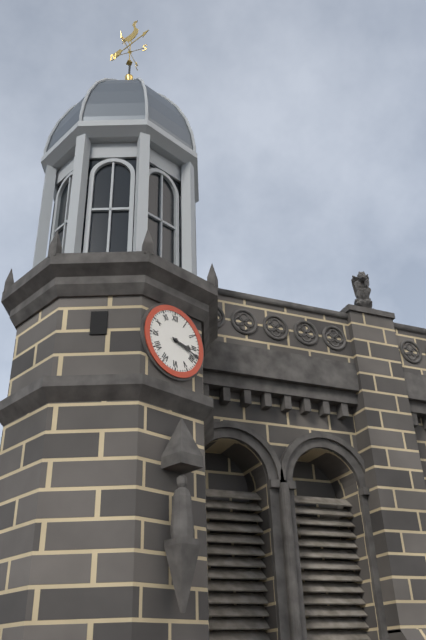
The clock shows 3h18
